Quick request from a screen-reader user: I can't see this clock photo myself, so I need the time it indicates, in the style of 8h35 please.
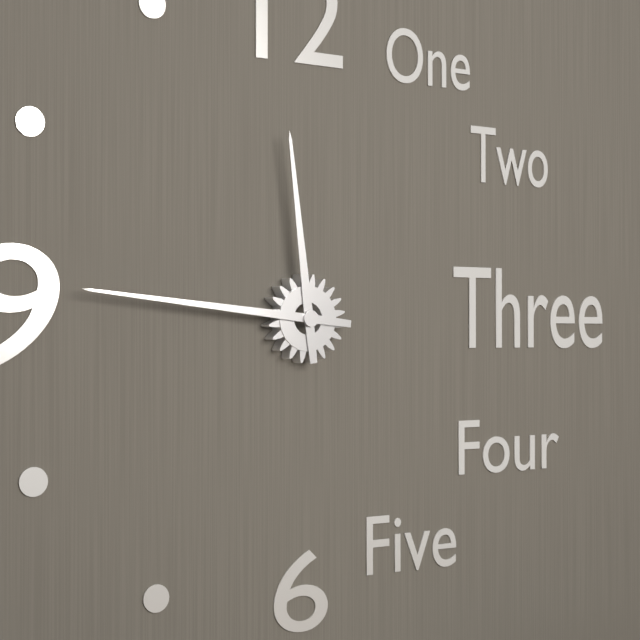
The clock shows 11h46
